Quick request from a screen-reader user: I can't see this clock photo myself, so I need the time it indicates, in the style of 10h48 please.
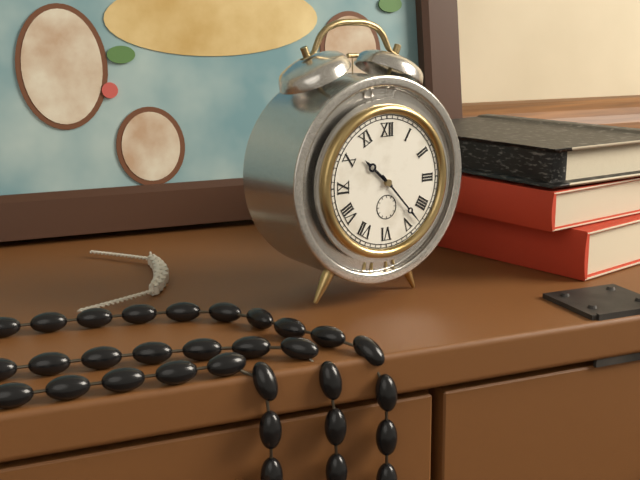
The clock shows 10h23
